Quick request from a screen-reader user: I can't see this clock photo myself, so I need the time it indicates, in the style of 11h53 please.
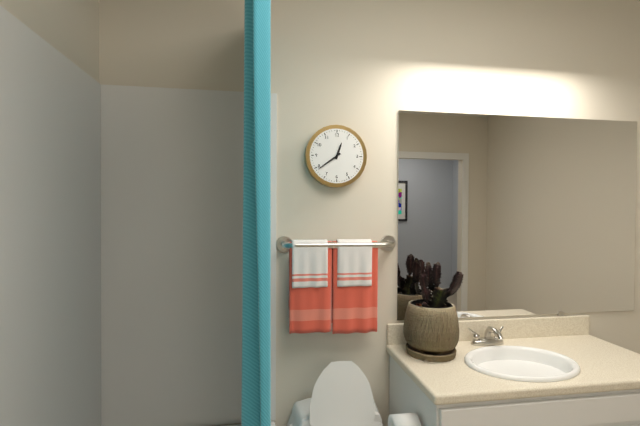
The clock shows 12h39
